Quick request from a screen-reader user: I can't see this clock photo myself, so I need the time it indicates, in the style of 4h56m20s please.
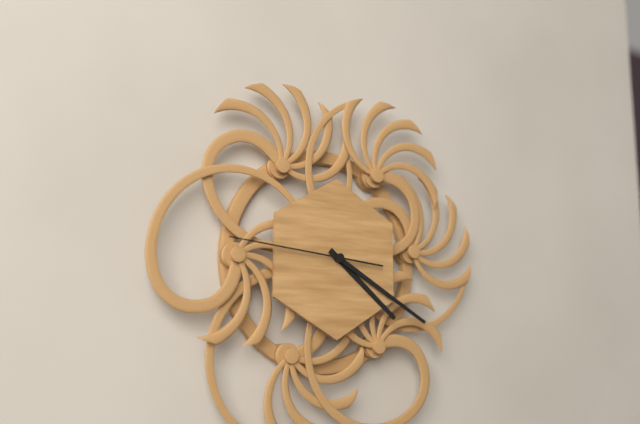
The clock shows 4h20m46s
